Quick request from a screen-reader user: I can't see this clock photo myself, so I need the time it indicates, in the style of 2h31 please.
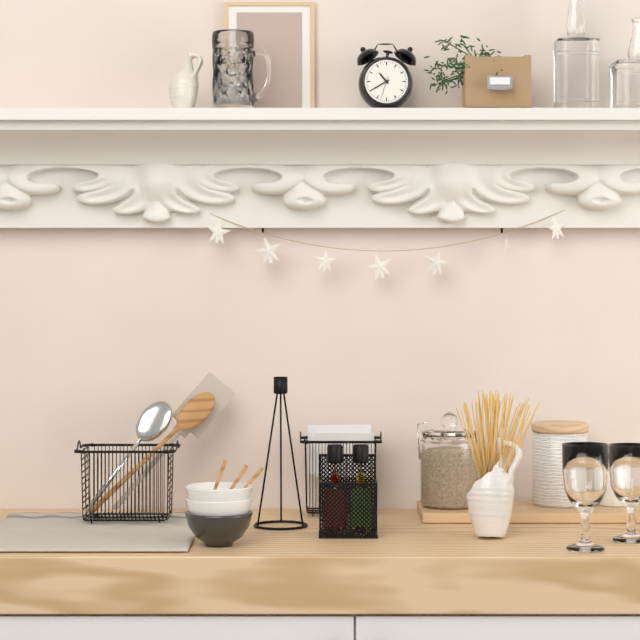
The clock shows 10h40
